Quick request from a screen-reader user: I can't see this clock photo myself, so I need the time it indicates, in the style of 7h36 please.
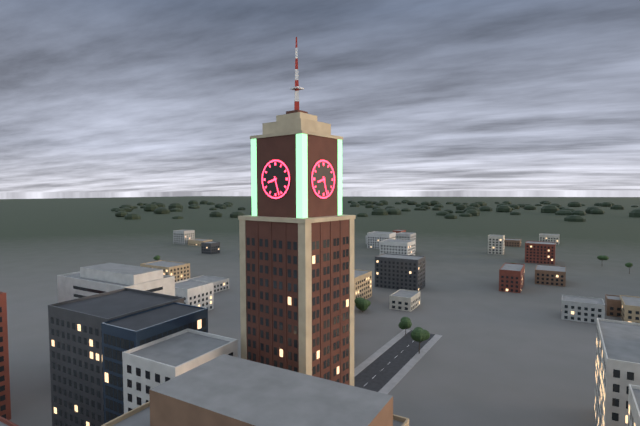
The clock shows 8h27
